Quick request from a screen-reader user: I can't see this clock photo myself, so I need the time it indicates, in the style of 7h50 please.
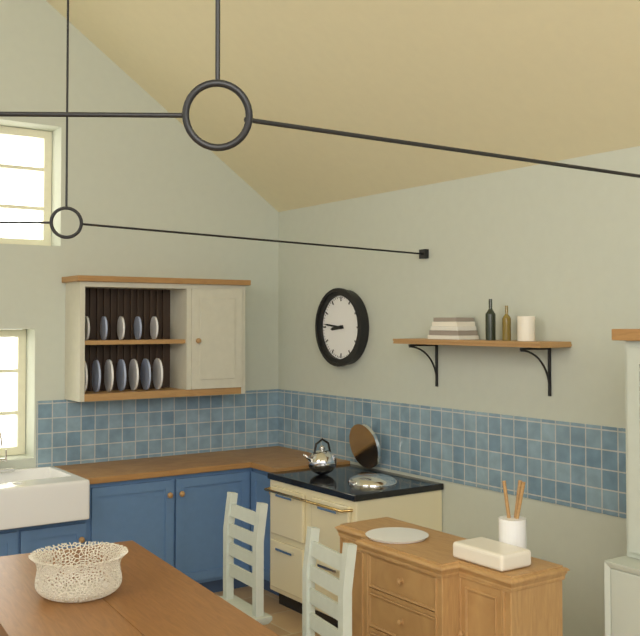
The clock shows 8h46
